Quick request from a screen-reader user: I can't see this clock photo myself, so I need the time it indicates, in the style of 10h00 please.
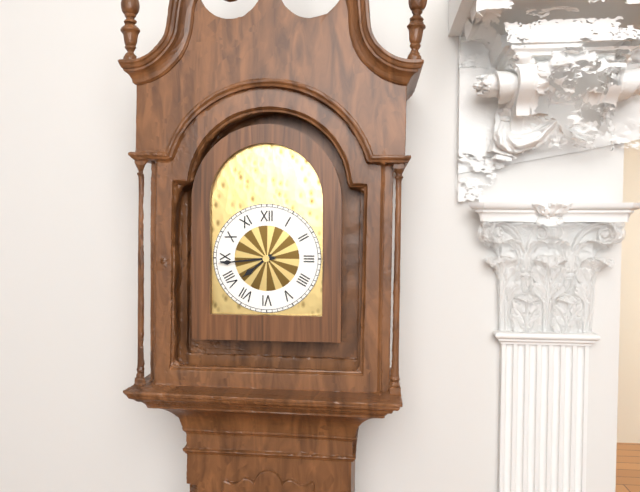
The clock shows 7h44
